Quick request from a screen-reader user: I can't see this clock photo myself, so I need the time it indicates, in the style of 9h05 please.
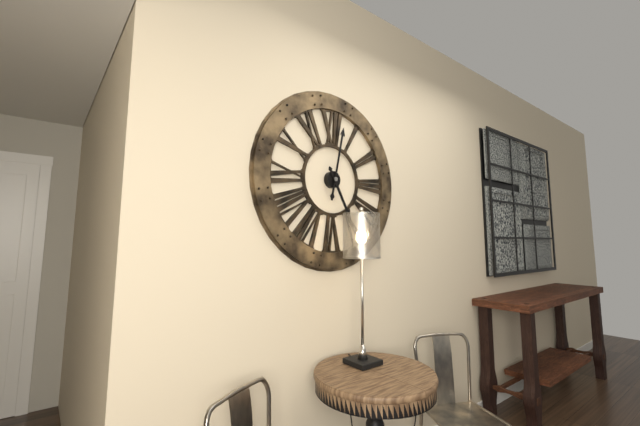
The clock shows 5h02
